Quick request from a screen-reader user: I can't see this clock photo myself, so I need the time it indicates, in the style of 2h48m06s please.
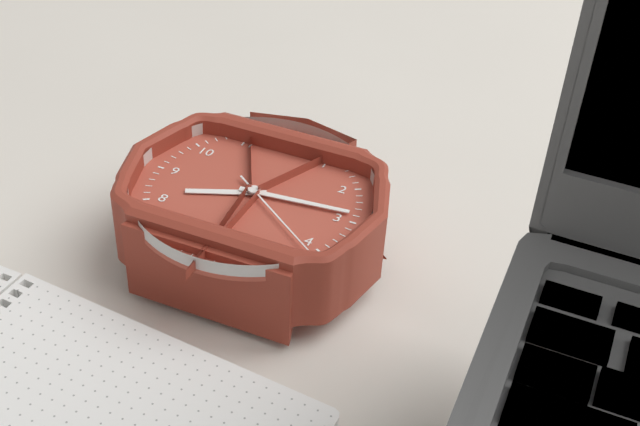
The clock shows 8h14m21s
